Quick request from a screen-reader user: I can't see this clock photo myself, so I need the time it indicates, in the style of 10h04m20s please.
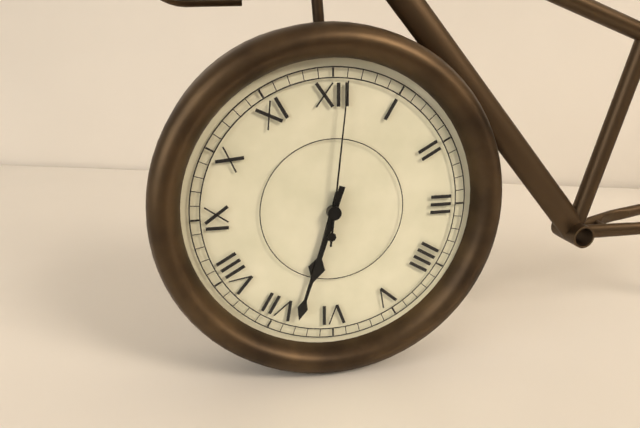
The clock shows 6h33m01s
